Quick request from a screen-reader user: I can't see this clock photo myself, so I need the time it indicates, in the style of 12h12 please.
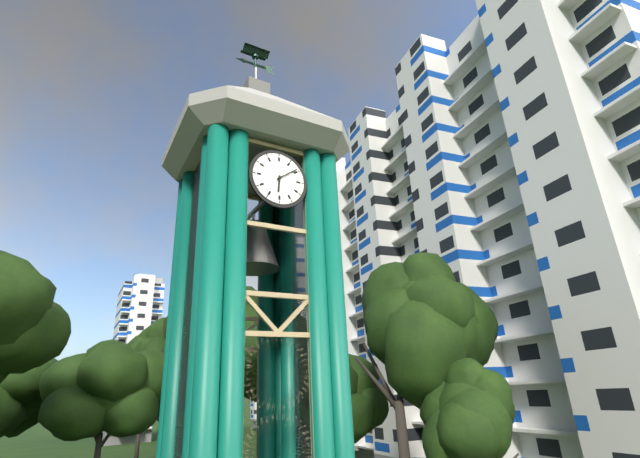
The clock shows 6h09
